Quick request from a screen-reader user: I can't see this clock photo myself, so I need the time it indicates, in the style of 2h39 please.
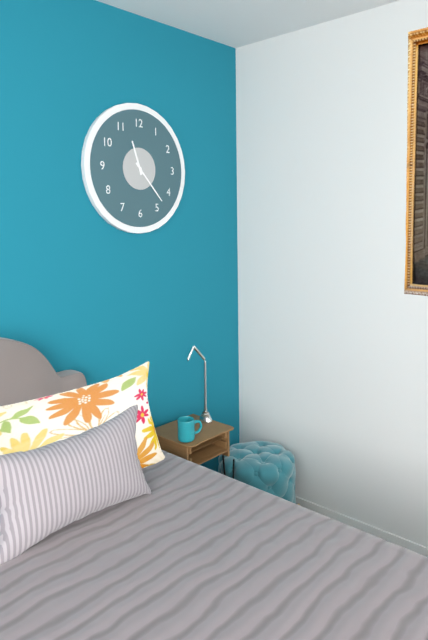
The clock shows 11h23
